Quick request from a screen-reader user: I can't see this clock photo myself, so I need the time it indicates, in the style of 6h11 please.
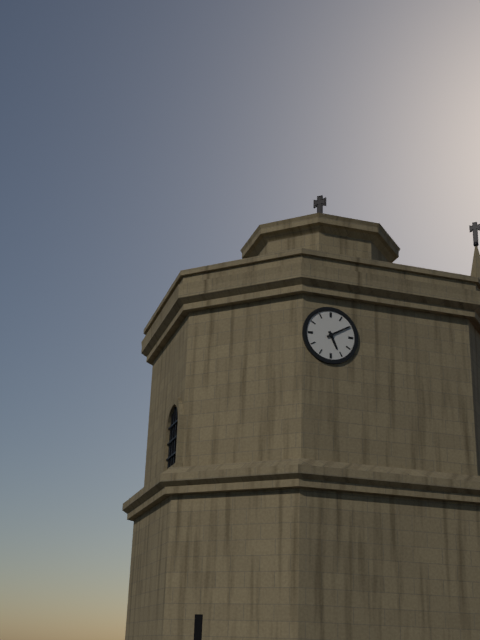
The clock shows 5h10
